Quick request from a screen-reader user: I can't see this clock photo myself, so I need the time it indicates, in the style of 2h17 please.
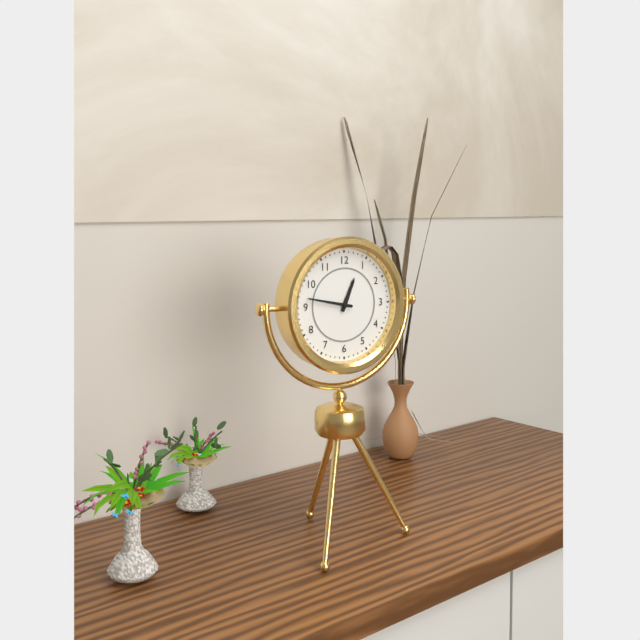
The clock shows 12h47
